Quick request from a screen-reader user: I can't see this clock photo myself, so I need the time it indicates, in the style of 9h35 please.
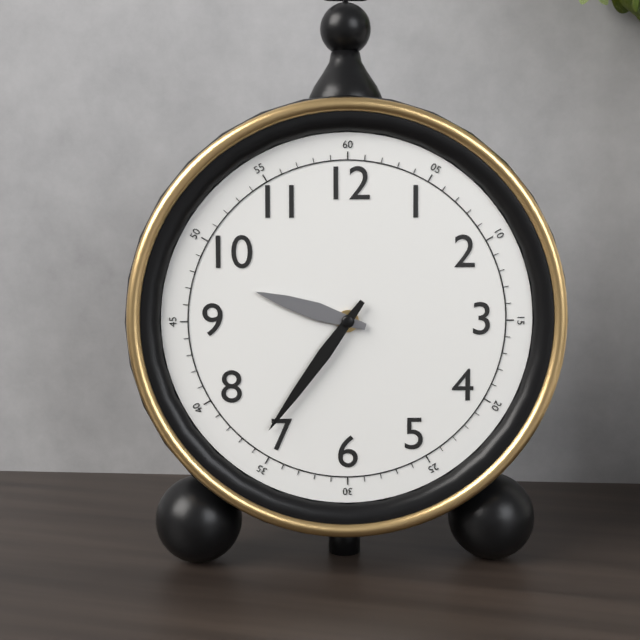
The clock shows 9h36
